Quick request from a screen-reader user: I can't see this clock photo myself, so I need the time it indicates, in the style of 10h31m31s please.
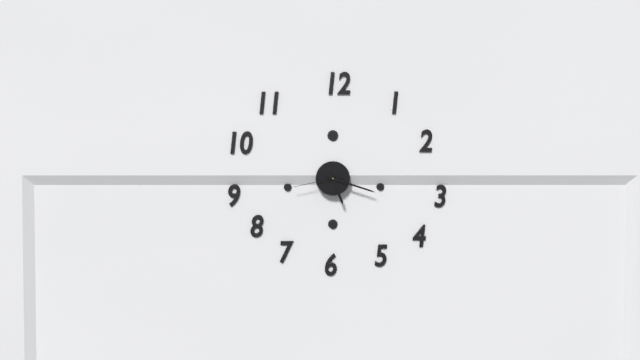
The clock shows 5h18m43s
